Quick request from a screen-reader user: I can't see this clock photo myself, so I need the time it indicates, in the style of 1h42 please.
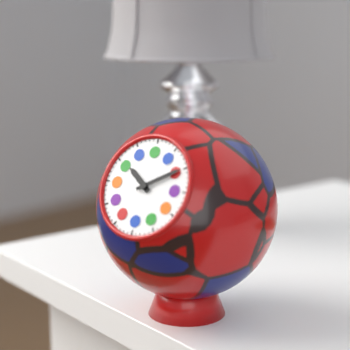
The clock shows 10h10
